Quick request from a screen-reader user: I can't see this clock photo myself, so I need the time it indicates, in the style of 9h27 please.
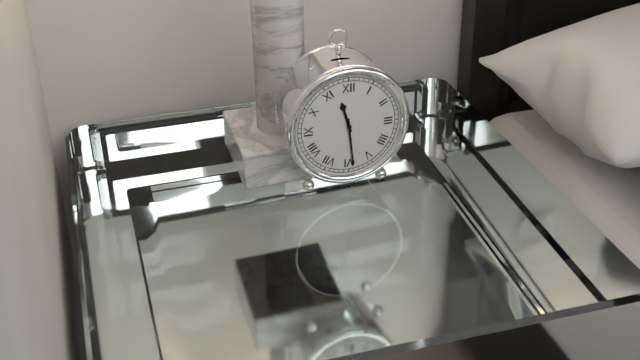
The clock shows 11h29
